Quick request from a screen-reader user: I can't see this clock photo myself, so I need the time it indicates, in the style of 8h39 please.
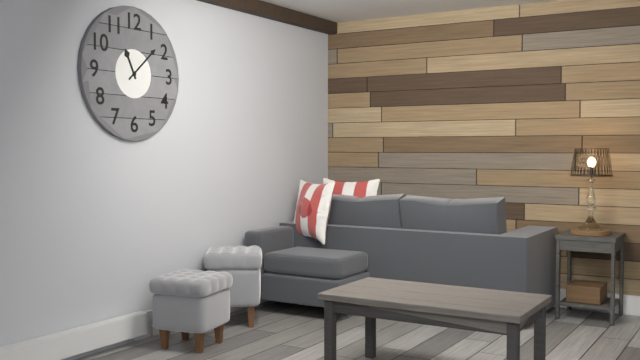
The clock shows 11h08
